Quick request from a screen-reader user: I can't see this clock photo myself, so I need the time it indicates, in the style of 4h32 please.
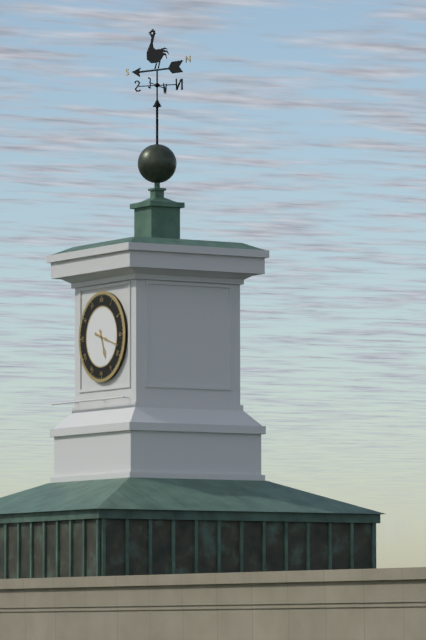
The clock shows 5h18
